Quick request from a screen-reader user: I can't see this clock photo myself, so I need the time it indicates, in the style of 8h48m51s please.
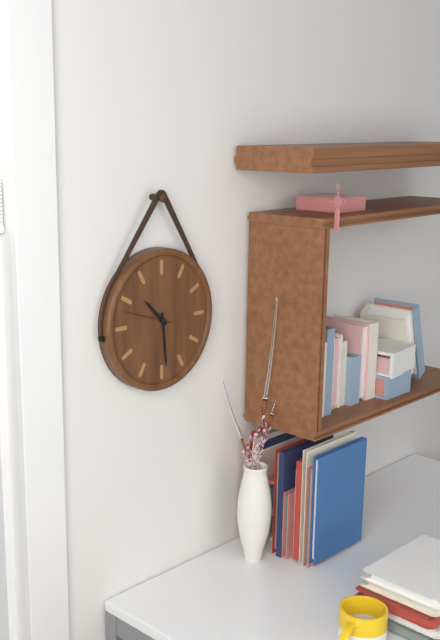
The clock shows 10h29m48s
